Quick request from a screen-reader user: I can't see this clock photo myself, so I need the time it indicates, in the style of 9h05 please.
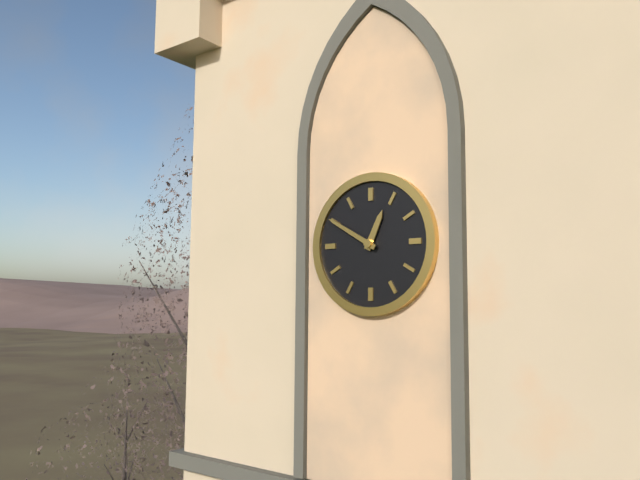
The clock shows 12h50
